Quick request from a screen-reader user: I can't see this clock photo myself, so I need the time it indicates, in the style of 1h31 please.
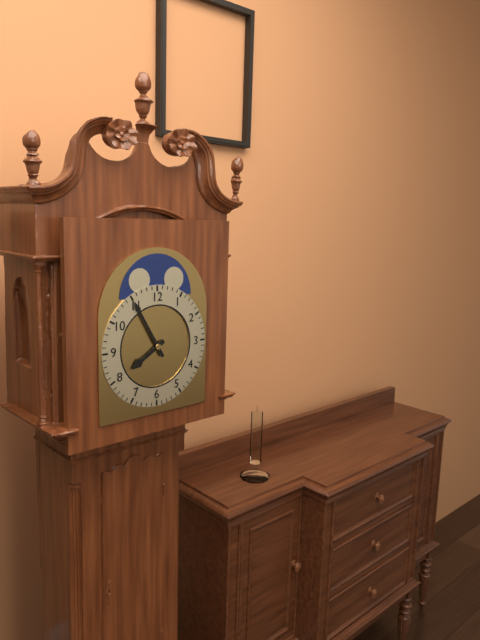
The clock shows 7h55
